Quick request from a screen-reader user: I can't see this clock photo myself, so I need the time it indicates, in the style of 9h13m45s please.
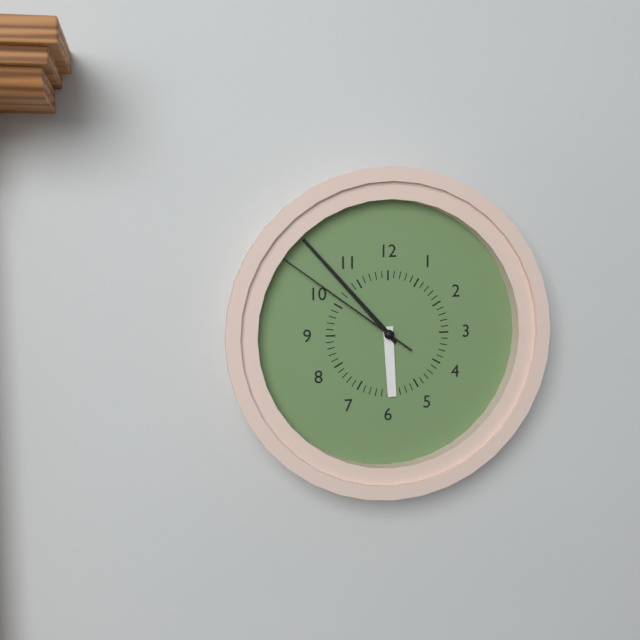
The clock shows 5h53m51s
